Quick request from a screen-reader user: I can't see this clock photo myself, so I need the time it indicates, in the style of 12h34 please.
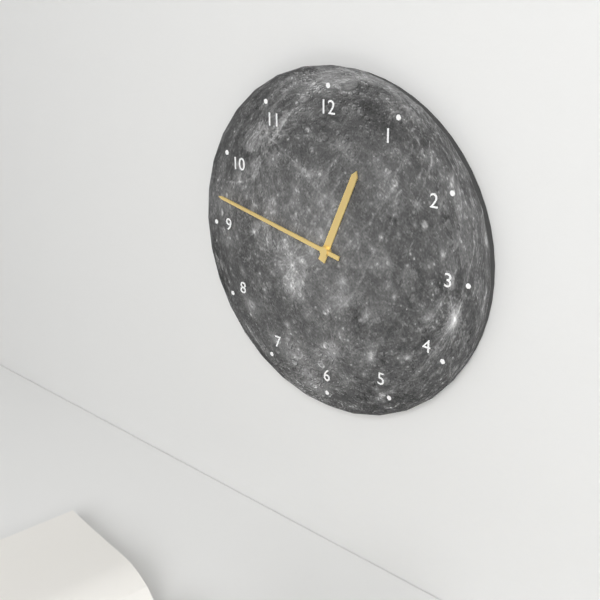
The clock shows 12h47
